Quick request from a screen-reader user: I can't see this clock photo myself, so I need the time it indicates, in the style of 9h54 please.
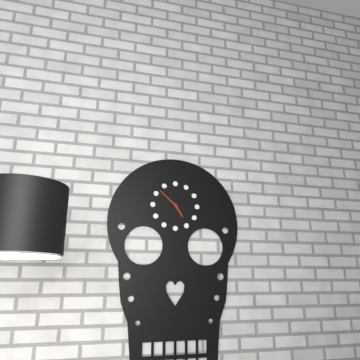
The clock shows 4h52
